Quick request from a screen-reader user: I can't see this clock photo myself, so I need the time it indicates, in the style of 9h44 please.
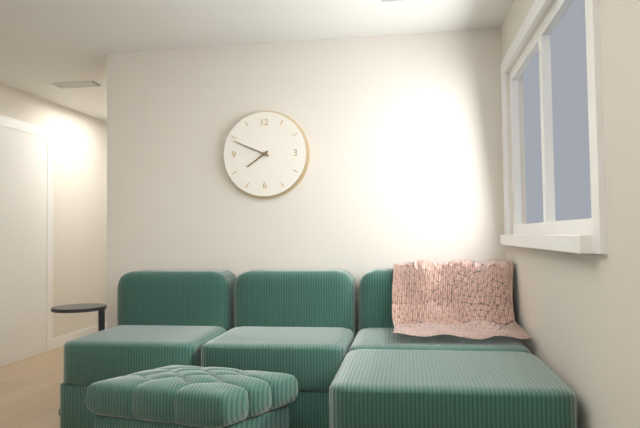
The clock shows 7h49
